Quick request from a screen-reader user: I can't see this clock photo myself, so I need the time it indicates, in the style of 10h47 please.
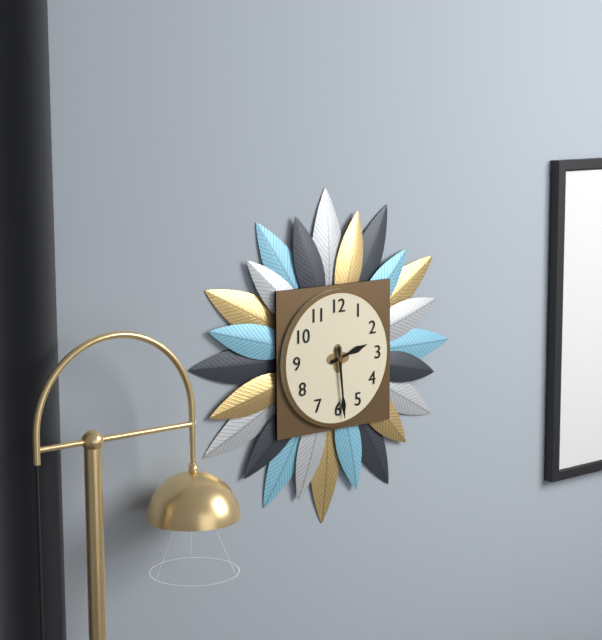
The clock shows 2h29
